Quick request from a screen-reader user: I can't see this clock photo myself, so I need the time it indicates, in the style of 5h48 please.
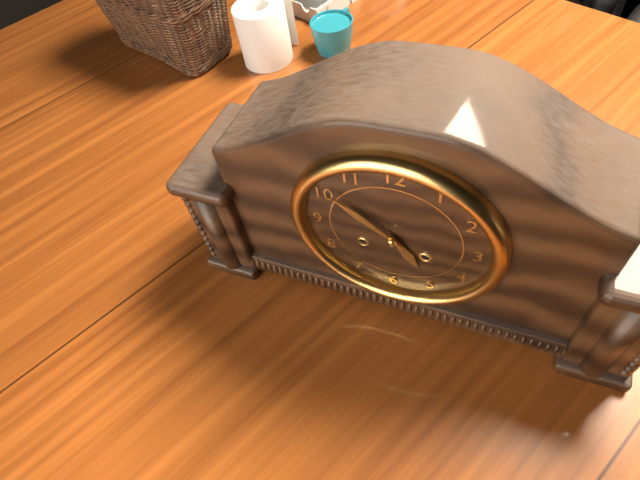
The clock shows 4h51
